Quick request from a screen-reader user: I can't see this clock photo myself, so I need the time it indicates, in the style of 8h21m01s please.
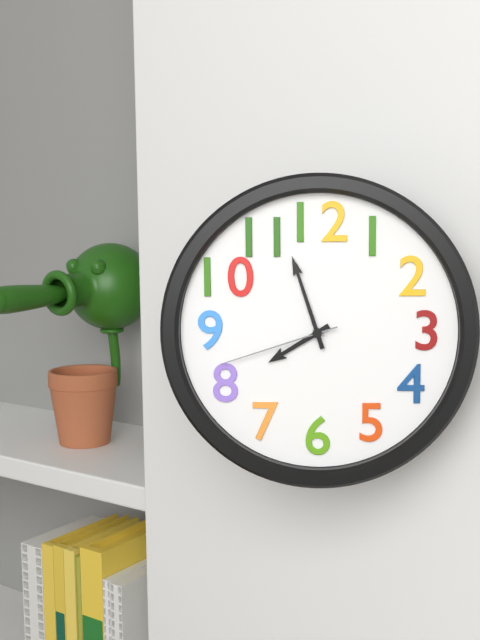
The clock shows 7h57m42s
